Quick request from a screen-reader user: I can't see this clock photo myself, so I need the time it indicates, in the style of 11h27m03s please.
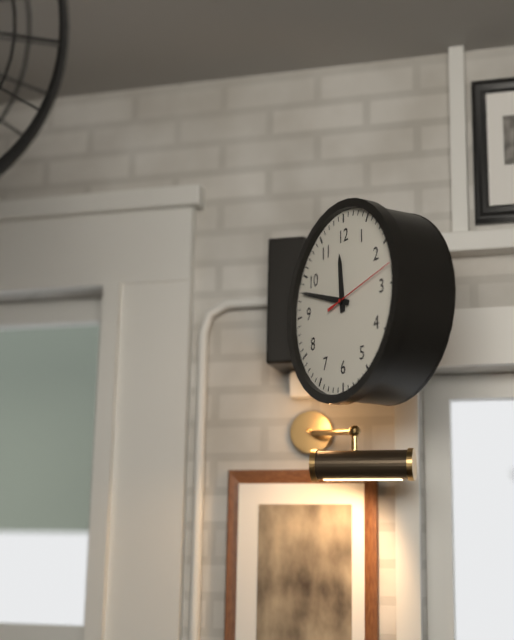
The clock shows 11h48m13s
